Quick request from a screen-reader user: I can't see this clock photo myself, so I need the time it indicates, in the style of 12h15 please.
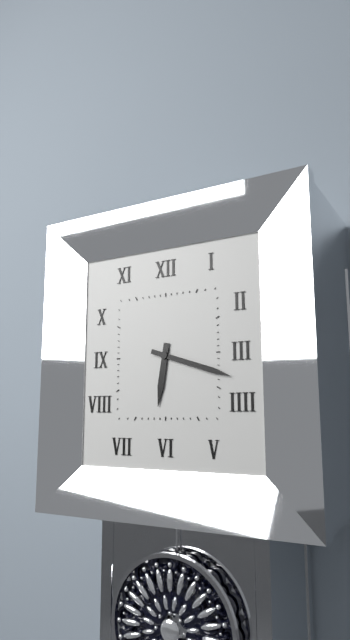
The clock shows 6h18
